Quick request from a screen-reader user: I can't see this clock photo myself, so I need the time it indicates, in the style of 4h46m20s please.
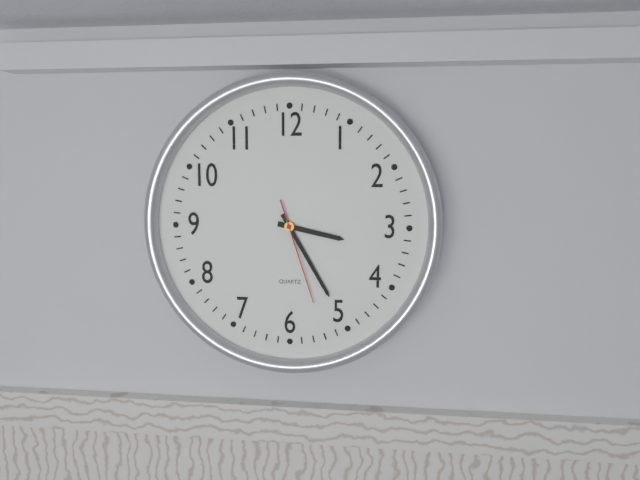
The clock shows 3h25m27s
